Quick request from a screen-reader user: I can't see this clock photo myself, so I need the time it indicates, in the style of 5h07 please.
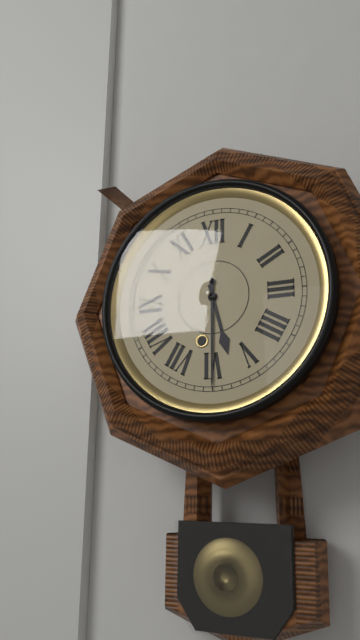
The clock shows 5h30
